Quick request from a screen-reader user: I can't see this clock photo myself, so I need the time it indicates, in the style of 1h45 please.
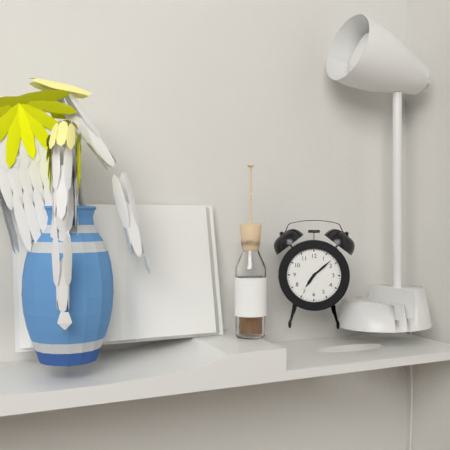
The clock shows 7h08
